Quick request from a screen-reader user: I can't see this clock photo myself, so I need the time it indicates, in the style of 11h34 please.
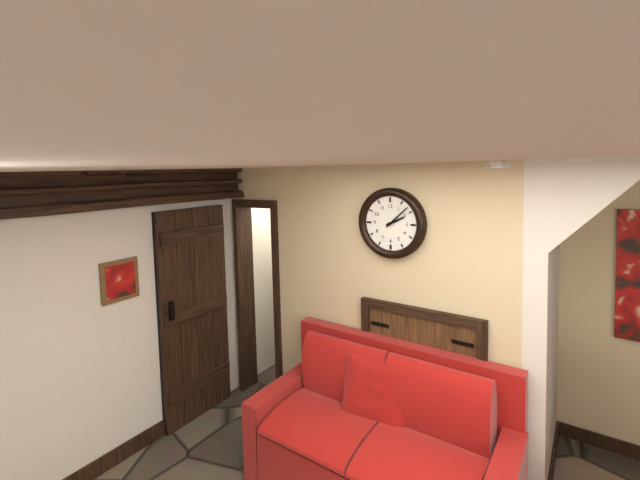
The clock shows 2h08
